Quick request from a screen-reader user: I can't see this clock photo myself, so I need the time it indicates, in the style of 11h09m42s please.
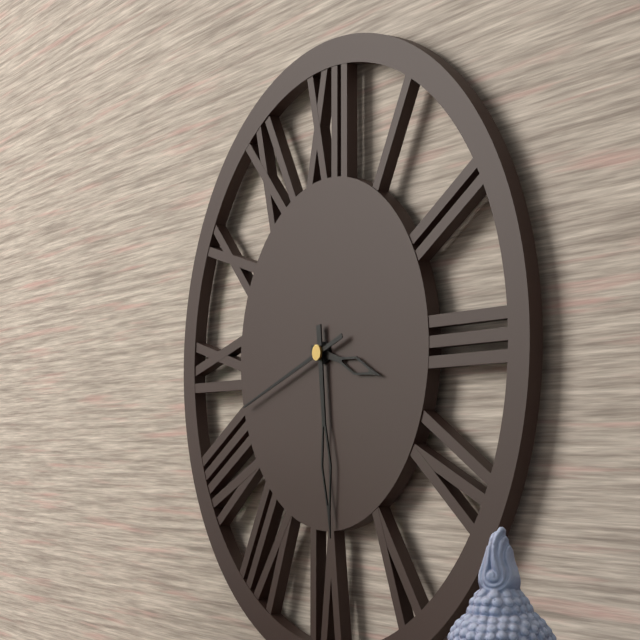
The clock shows 3h29m42s
